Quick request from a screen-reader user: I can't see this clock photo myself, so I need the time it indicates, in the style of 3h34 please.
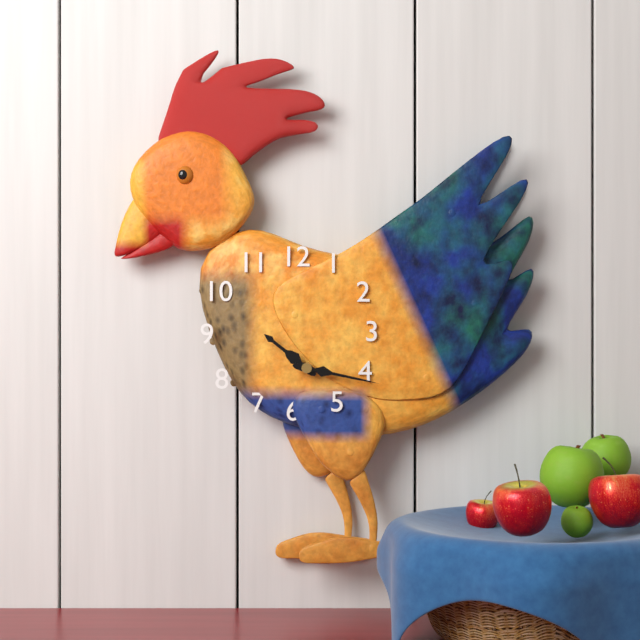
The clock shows 10h17
